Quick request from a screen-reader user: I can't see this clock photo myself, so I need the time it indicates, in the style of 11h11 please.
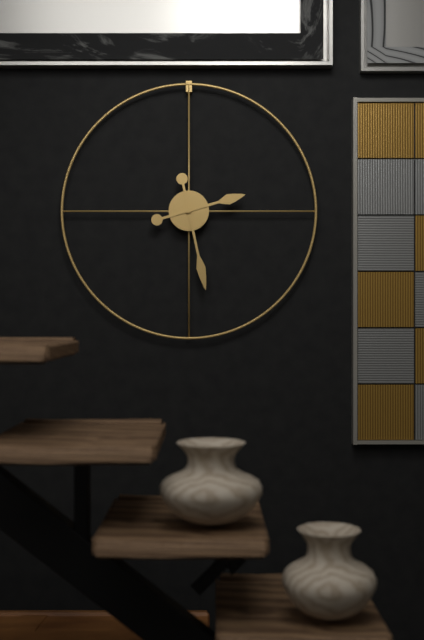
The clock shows 2h28
